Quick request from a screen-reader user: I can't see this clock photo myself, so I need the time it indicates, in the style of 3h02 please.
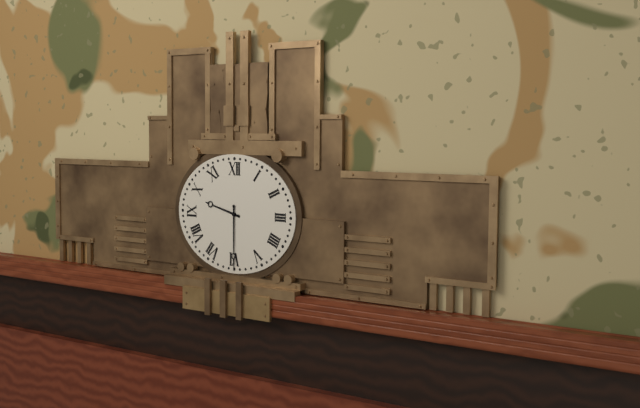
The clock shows 9h30
